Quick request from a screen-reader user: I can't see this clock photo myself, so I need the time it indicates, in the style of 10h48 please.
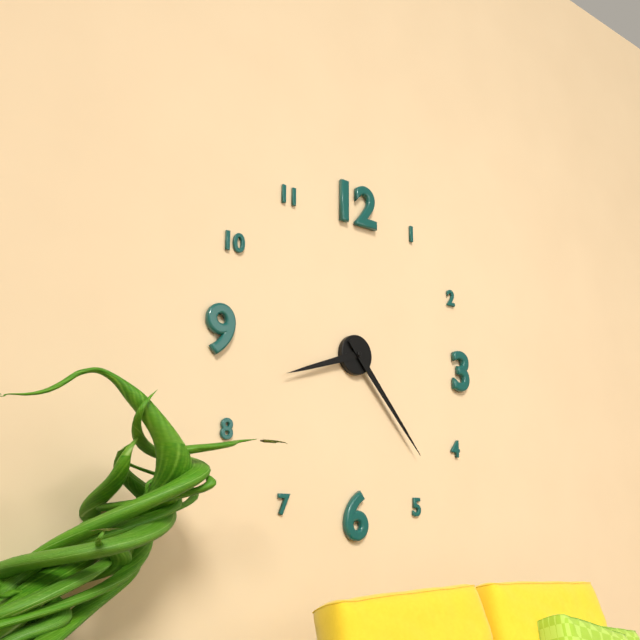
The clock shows 8h23
